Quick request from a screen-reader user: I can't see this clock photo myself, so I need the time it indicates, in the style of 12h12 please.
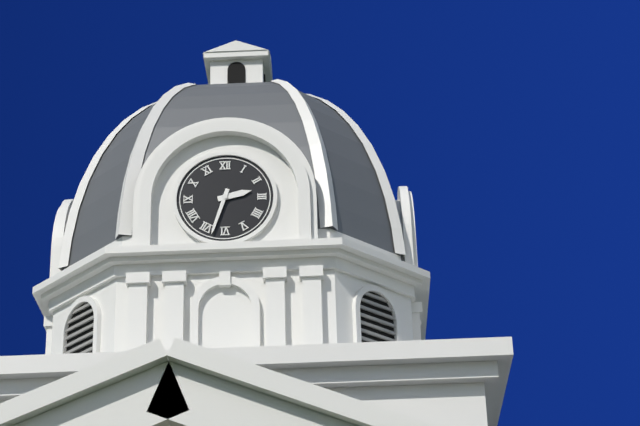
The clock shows 2h33
